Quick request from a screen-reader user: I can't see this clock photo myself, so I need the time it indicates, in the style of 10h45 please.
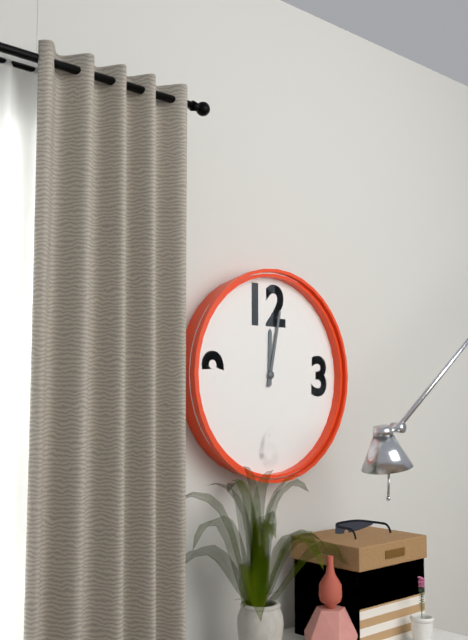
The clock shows 12h02
